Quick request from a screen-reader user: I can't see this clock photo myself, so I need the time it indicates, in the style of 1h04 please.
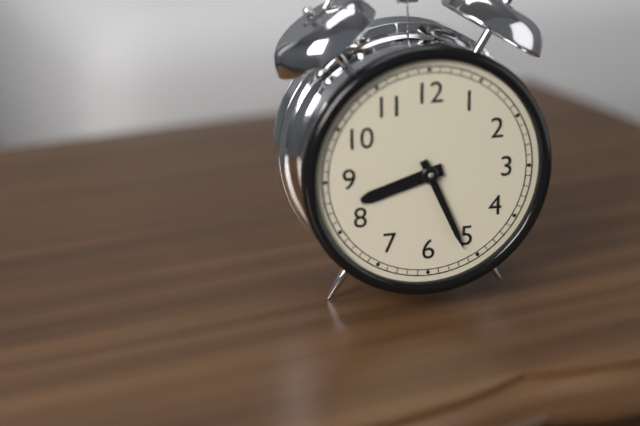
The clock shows 8h26
